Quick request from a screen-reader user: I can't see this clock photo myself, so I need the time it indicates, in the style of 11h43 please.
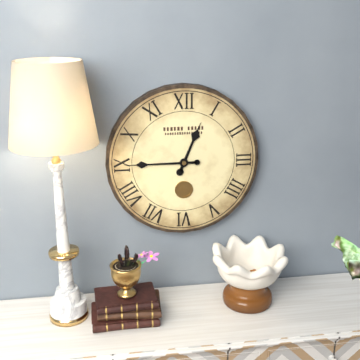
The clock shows 12h45
